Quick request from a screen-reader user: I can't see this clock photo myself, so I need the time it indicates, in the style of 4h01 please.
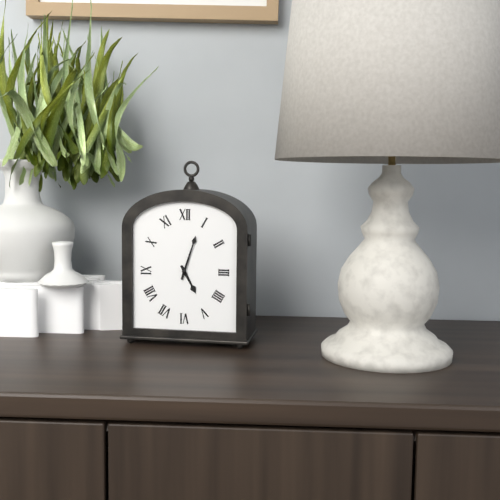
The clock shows 5h03
